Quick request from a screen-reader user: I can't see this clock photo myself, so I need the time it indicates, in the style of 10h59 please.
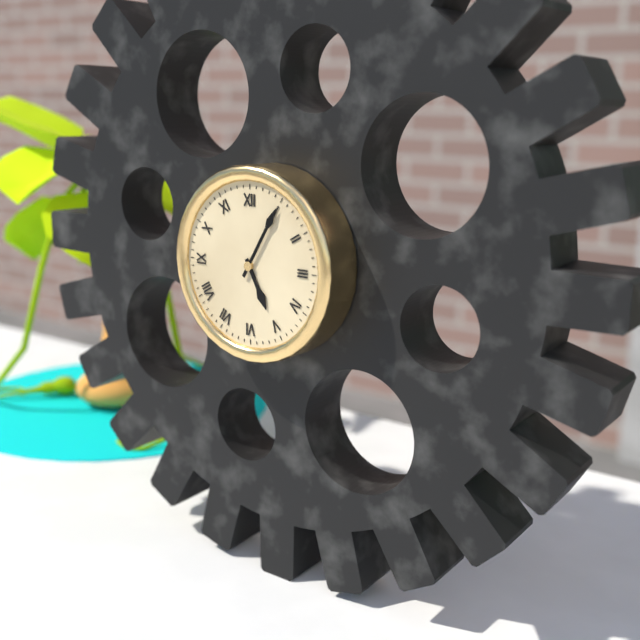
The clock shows 5h05
